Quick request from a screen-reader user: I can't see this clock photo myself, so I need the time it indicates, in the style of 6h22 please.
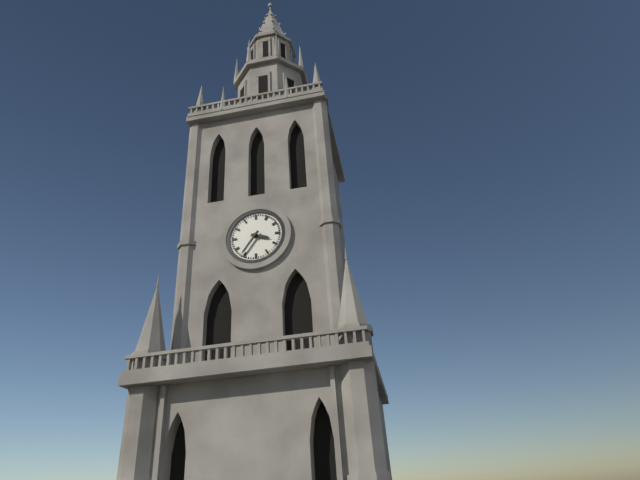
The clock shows 3h36
